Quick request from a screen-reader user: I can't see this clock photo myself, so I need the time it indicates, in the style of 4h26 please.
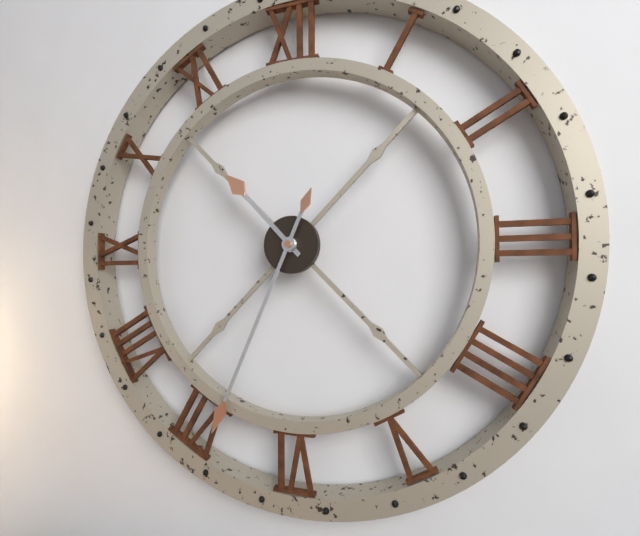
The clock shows 10h34
